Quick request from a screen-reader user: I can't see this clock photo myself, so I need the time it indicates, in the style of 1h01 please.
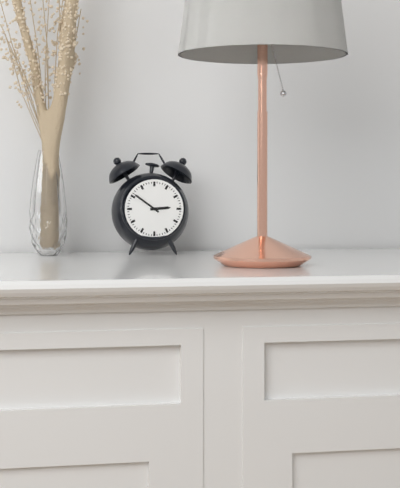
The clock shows 2h51
